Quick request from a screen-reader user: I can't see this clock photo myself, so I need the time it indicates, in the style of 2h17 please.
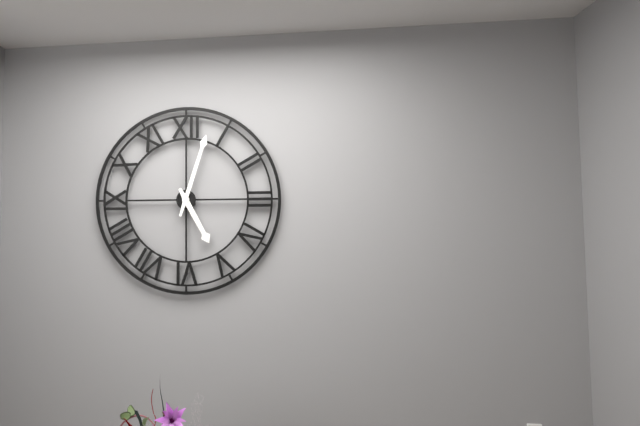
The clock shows 5h03
